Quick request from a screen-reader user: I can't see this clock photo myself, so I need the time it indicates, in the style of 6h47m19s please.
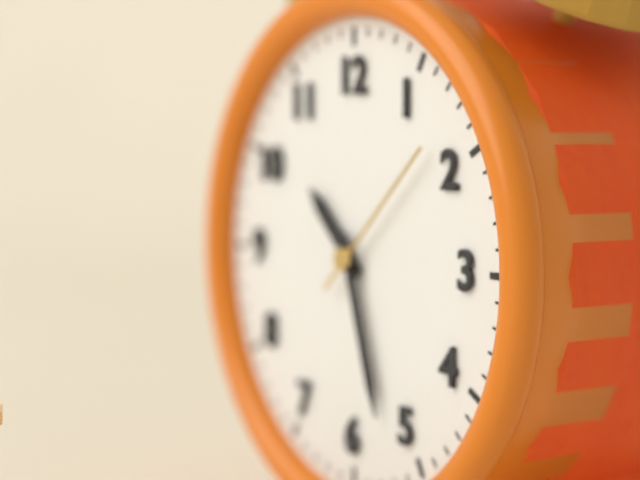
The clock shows 10h27m08s
